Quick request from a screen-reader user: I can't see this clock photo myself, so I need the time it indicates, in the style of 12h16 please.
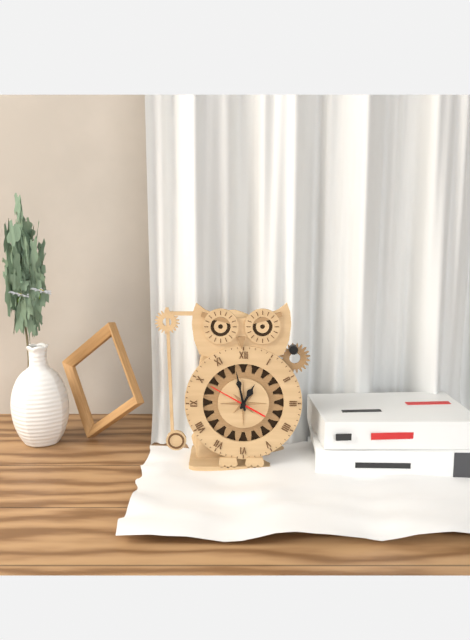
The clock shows 12h58
